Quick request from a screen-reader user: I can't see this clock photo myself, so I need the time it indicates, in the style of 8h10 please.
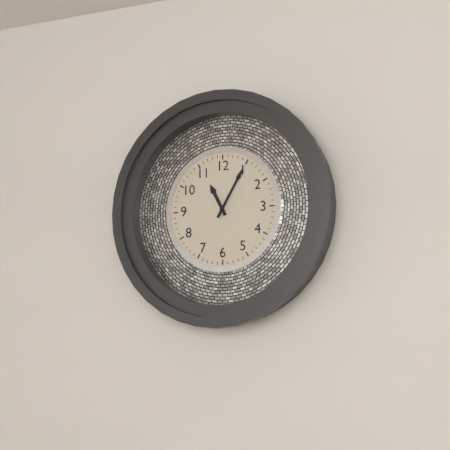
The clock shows 11h05
